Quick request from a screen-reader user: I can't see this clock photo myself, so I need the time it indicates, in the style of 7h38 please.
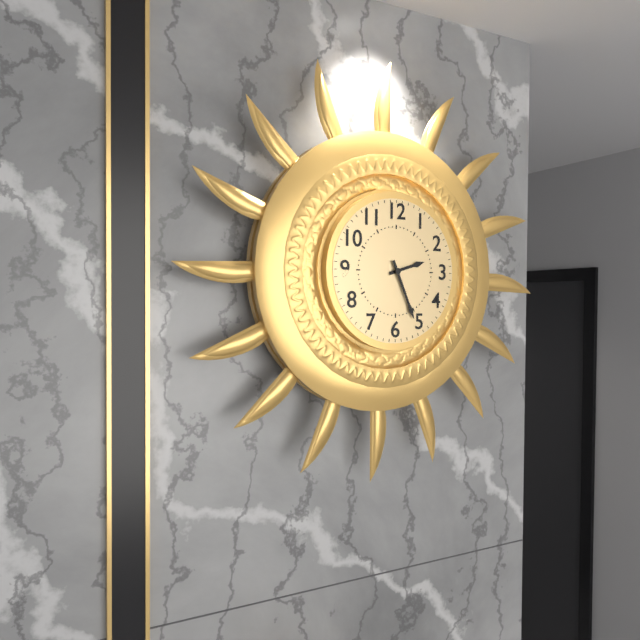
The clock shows 2h26
